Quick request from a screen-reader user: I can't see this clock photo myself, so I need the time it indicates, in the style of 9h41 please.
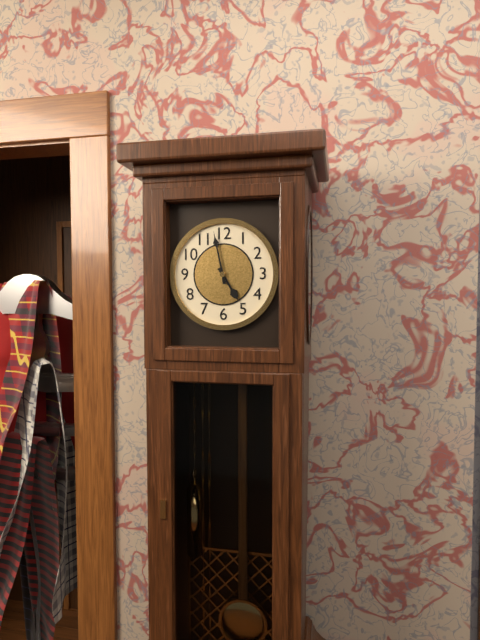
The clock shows 4h58
